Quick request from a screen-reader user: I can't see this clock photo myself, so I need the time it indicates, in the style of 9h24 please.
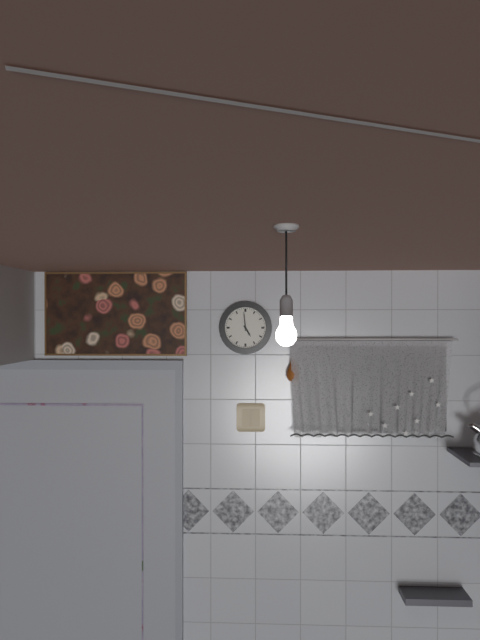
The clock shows 4h59
